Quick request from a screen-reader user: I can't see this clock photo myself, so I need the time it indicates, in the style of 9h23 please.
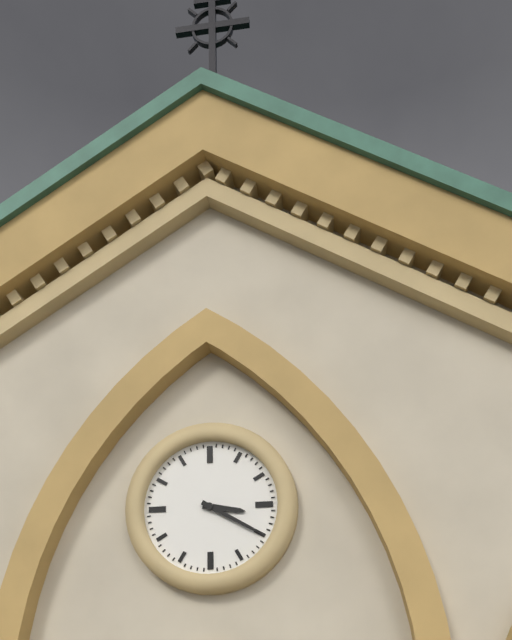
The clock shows 3h20
